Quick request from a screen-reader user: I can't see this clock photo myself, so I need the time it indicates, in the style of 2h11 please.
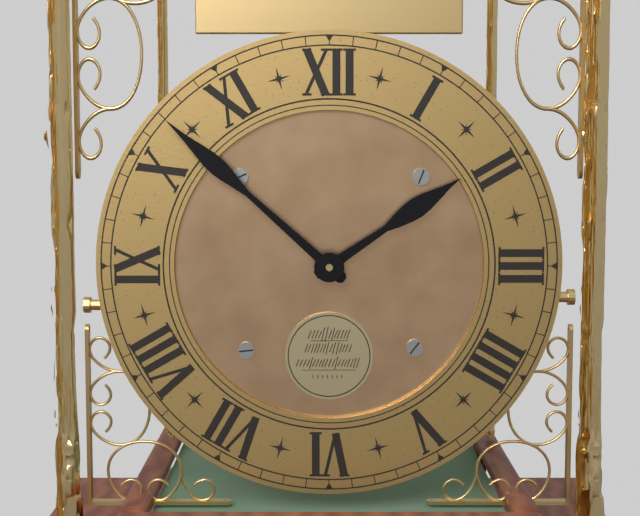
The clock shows 1h52
